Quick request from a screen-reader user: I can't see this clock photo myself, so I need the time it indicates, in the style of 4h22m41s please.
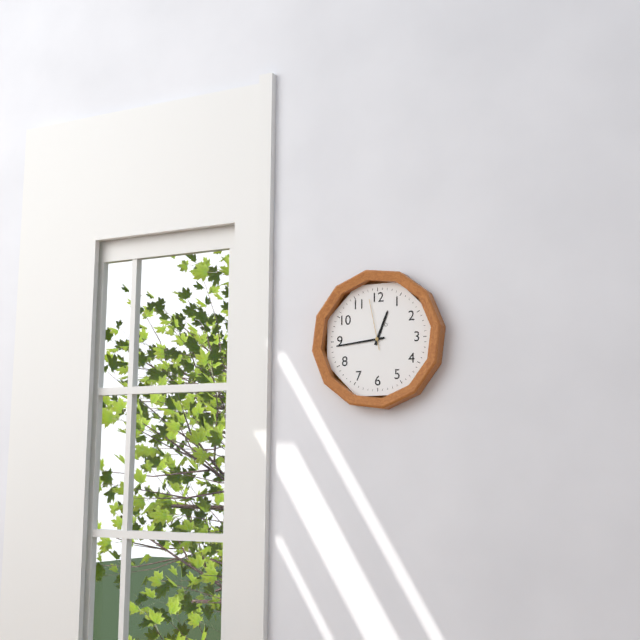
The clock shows 12h44m58s
